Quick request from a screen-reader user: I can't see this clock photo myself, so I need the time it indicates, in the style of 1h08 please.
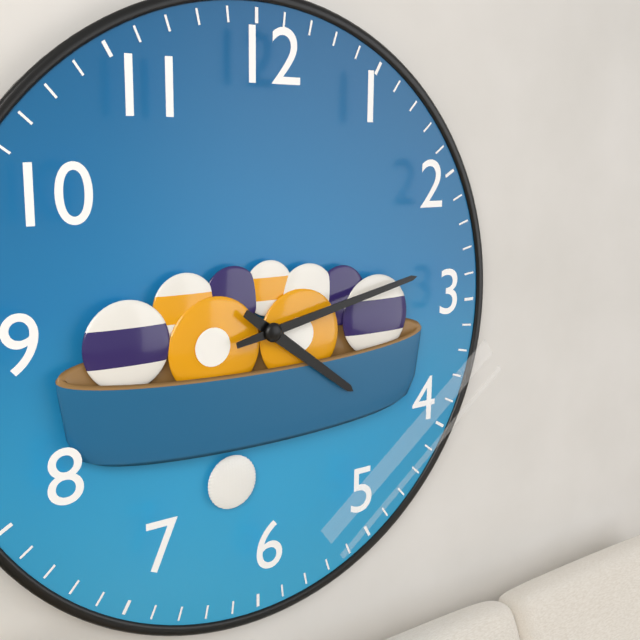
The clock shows 4h13
